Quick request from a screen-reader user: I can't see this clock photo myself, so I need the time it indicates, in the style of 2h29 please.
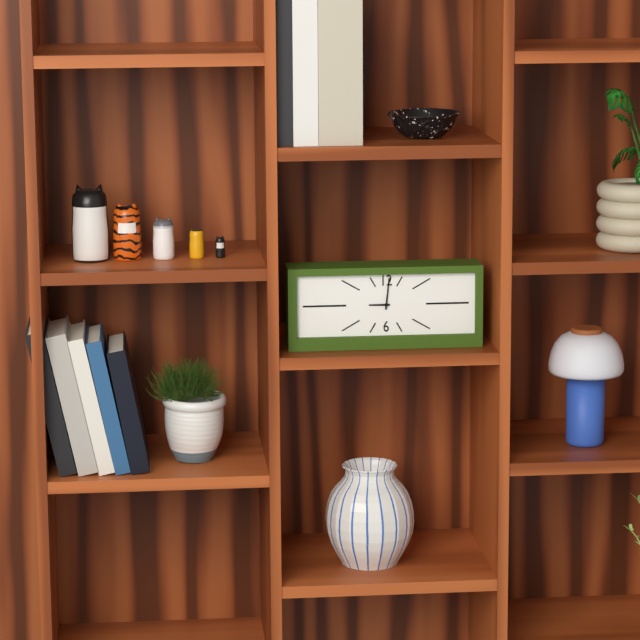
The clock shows 9h01
